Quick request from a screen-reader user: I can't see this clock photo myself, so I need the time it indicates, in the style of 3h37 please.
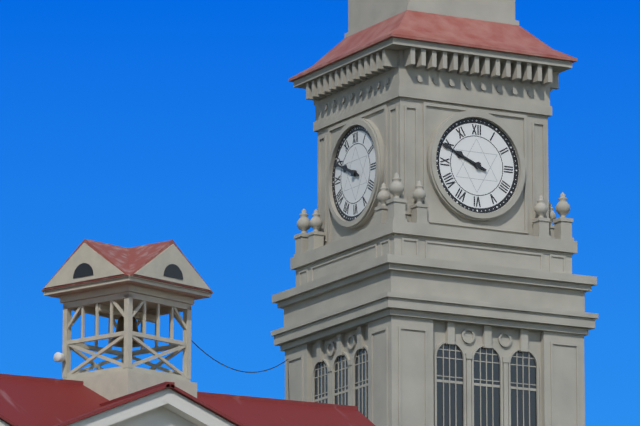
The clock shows 9h49
